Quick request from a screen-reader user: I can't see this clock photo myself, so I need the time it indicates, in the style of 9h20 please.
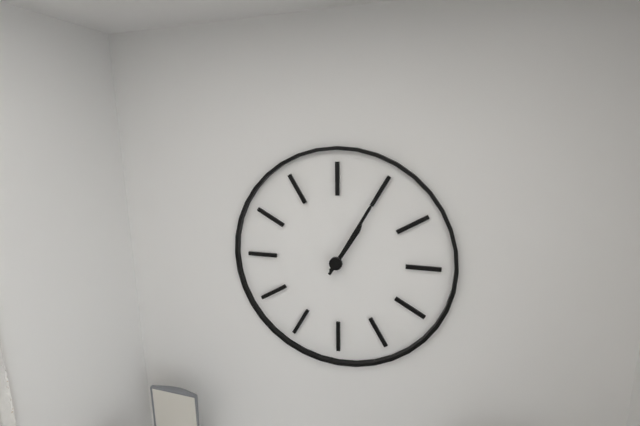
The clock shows 1h05
